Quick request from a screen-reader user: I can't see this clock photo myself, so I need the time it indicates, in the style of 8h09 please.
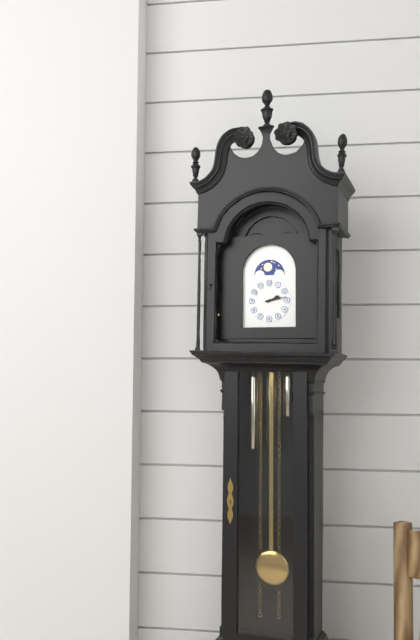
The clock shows 2h13
